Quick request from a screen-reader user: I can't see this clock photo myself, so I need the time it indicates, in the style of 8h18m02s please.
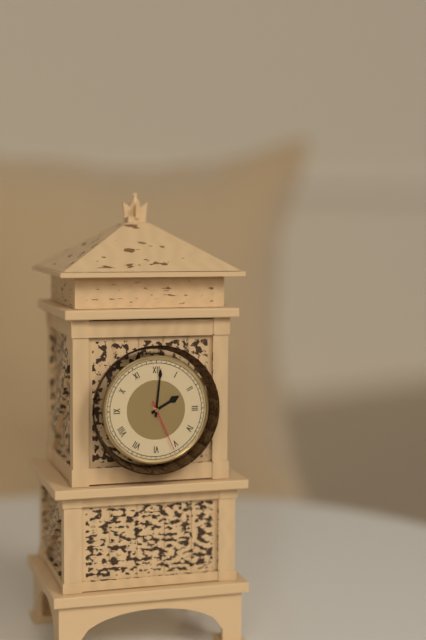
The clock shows 2h01m26s
